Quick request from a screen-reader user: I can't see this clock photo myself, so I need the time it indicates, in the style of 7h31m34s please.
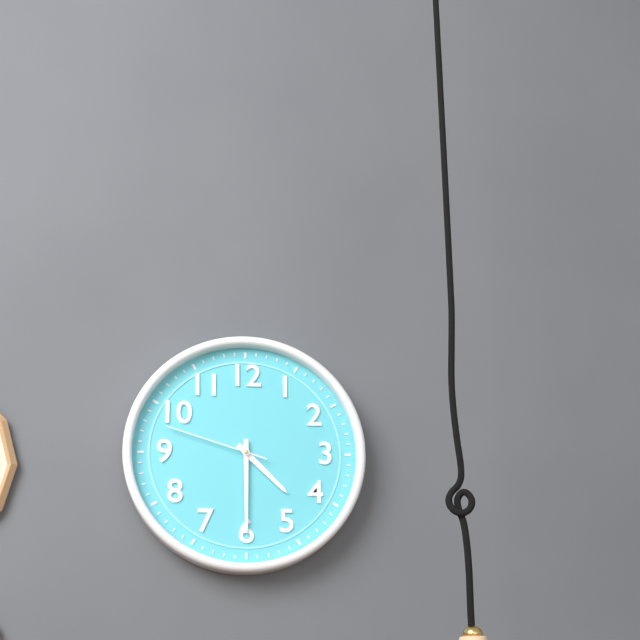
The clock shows 4h30m48s
